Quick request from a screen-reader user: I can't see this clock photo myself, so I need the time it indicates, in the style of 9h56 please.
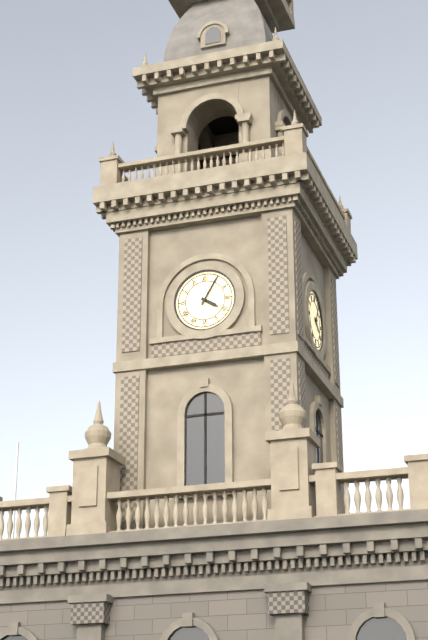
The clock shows 4h05
